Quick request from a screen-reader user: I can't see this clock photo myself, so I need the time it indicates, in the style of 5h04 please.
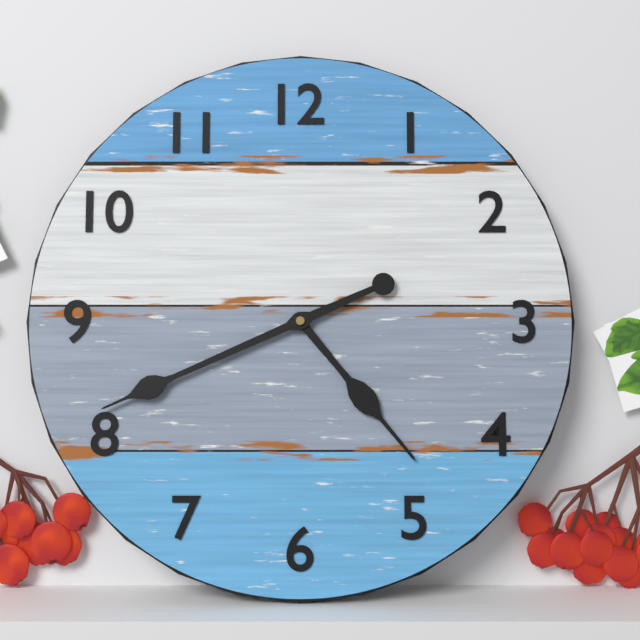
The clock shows 4h41
